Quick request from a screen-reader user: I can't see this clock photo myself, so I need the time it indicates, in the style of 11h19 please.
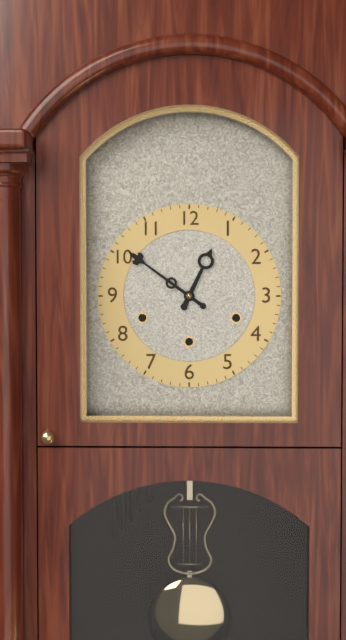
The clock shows 12h51
